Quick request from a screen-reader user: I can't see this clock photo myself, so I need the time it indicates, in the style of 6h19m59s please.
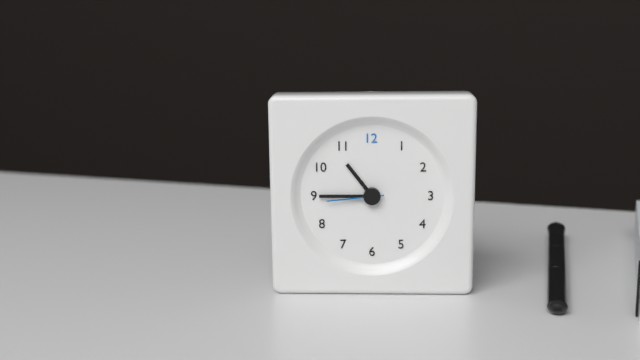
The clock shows 10h45m44s
